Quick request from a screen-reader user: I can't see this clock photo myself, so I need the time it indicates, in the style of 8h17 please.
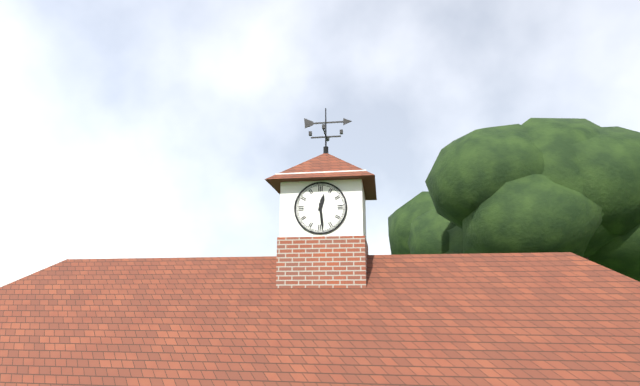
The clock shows 12h29
